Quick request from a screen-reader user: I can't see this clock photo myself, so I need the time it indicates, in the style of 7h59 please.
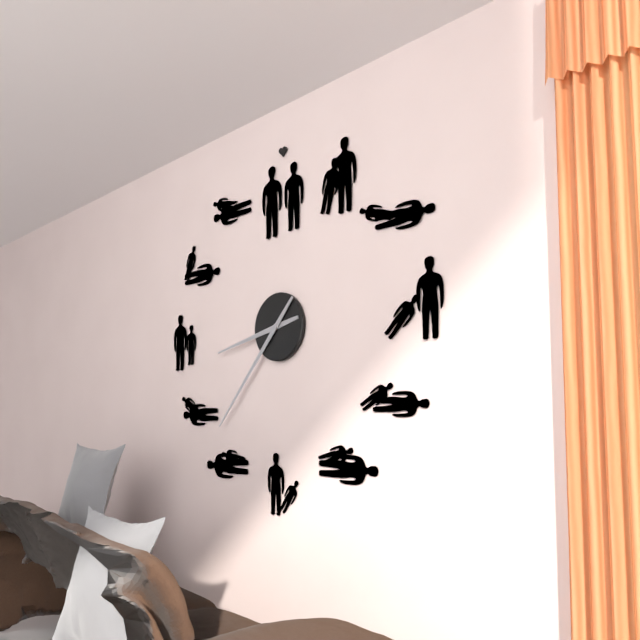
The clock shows 8h37
